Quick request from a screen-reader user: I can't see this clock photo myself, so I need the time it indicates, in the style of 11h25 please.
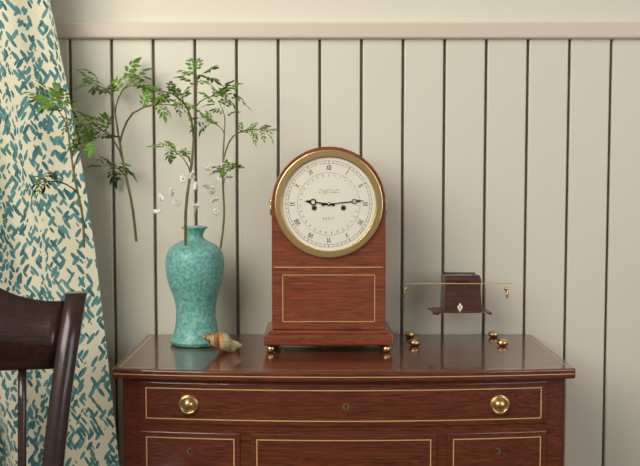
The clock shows 9h14
